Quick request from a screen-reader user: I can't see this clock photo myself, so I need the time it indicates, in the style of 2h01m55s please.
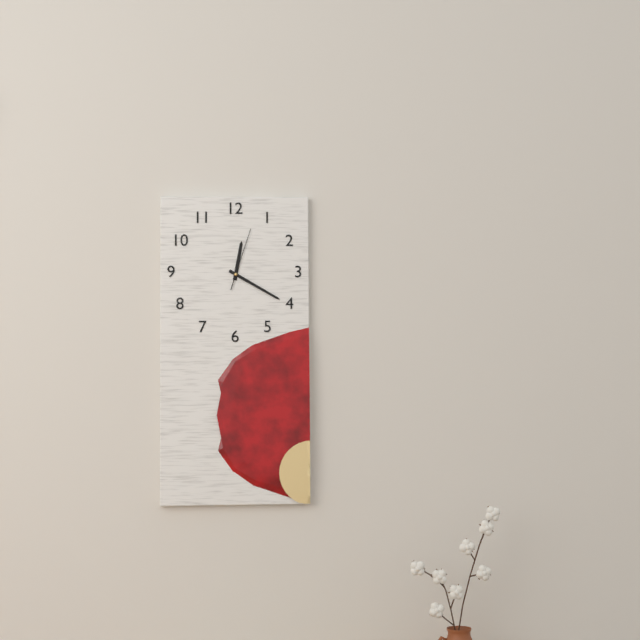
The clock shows 12h20m03s
